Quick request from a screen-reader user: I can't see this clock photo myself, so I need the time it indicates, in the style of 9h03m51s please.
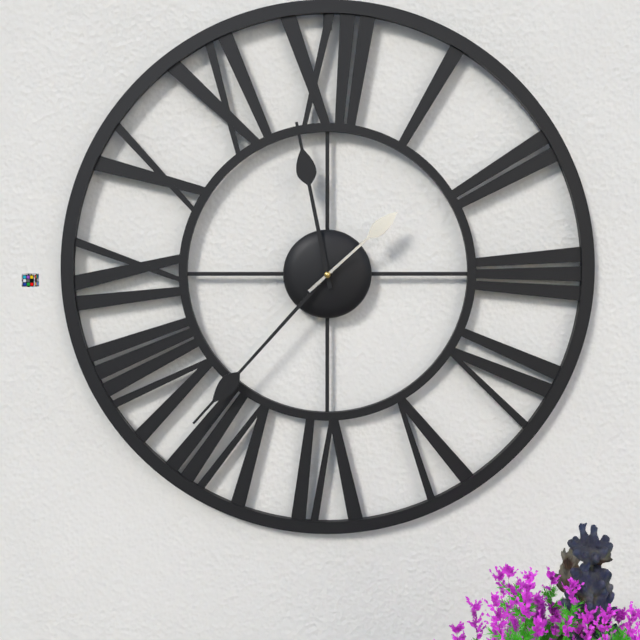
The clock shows 11h37m08s
